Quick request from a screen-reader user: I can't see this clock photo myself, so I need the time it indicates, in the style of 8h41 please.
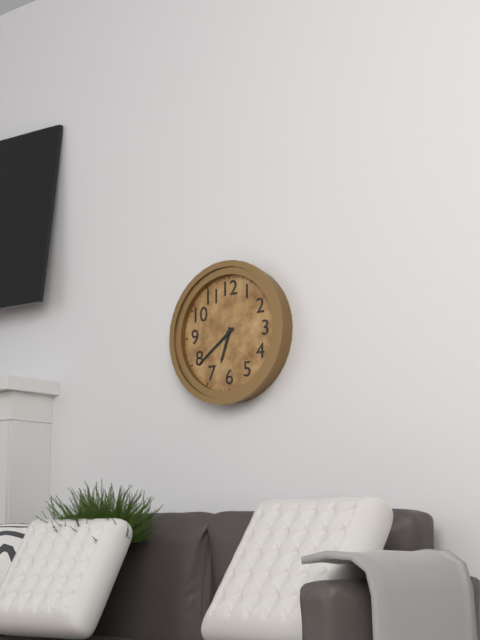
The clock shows 6h39
